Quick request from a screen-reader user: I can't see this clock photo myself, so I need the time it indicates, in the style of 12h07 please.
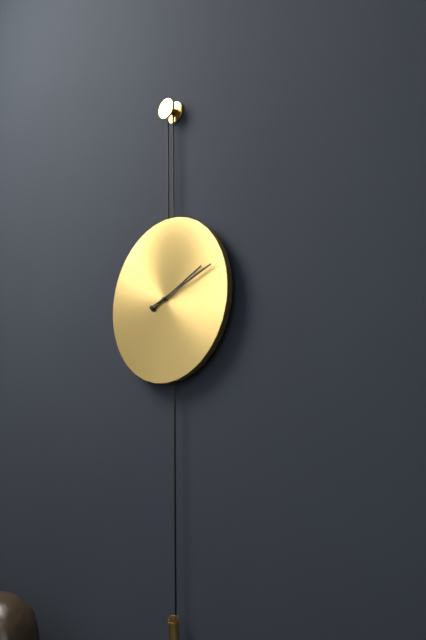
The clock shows 2h12
